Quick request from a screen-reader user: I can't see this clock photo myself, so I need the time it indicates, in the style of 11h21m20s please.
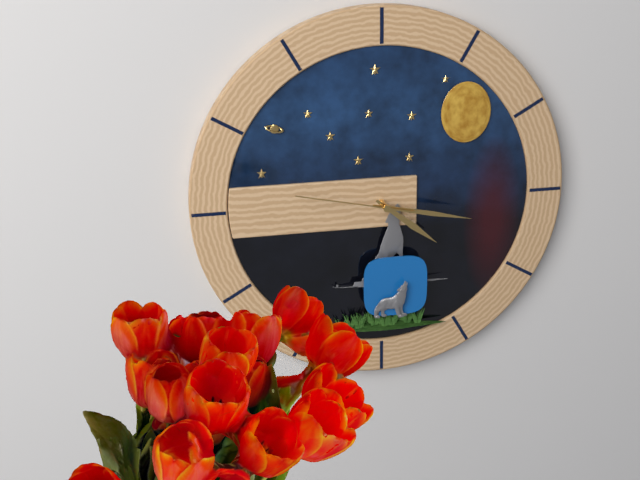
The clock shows 4h17m47s
